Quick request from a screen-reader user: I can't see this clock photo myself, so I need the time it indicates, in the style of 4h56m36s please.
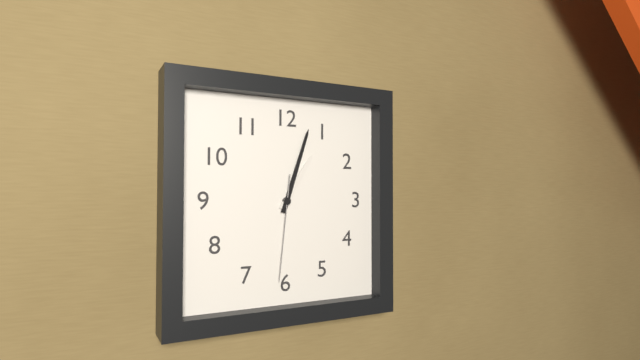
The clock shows 1h03m31s
